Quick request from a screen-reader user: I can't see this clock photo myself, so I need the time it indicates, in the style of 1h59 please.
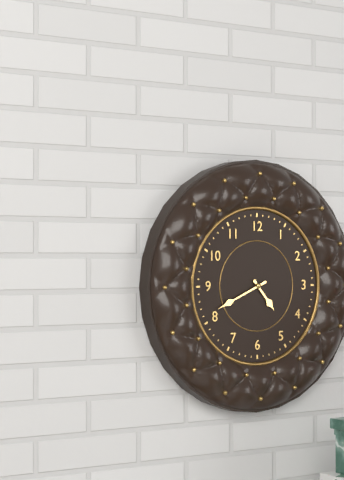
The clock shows 4h41
